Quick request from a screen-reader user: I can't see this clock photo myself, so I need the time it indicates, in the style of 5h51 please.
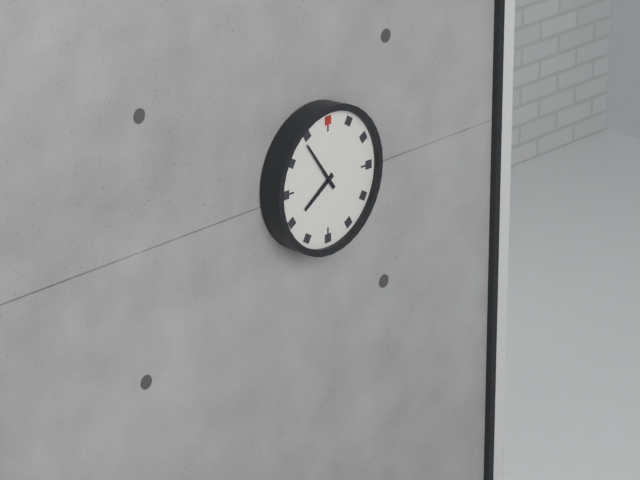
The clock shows 7h54
